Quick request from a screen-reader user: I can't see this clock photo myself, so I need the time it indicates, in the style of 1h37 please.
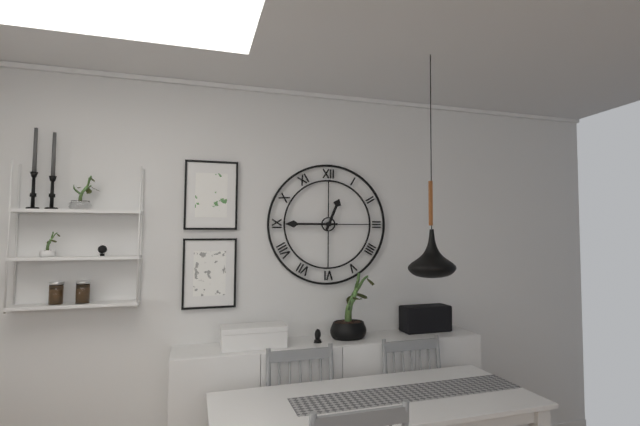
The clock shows 12h45
